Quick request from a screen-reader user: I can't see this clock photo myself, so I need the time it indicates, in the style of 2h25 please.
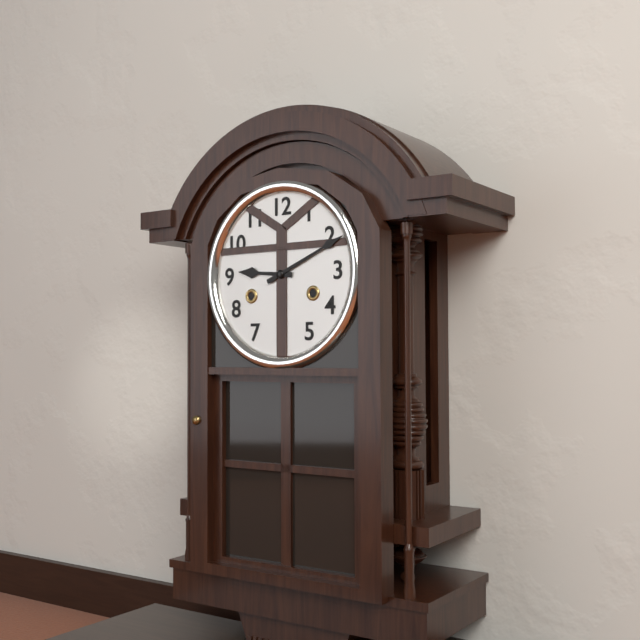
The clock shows 9h11
